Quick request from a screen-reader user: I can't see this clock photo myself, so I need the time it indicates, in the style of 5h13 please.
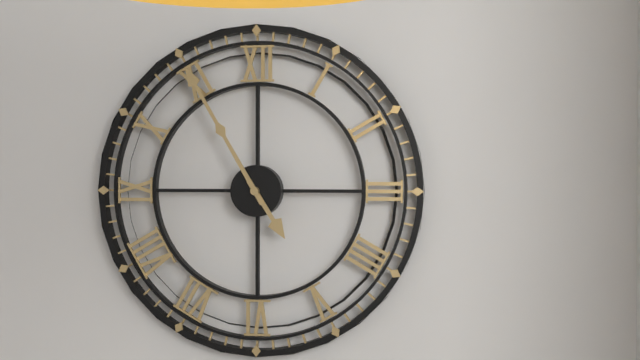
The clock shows 4h55
